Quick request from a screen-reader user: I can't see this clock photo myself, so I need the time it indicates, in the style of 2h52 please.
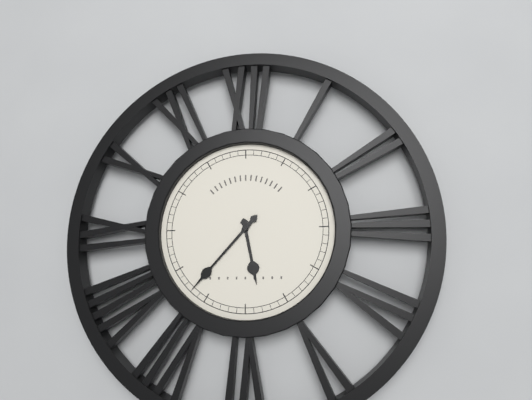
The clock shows 5h37
